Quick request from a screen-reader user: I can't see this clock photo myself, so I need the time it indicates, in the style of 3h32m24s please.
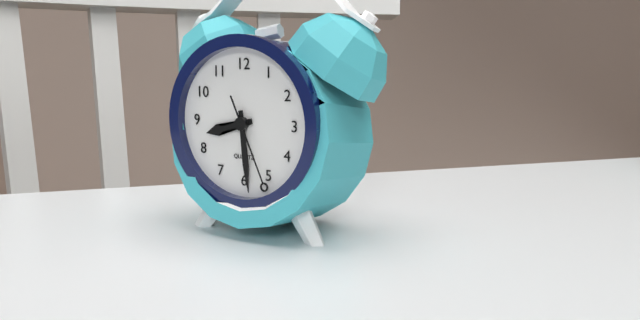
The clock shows 8h29m26s
